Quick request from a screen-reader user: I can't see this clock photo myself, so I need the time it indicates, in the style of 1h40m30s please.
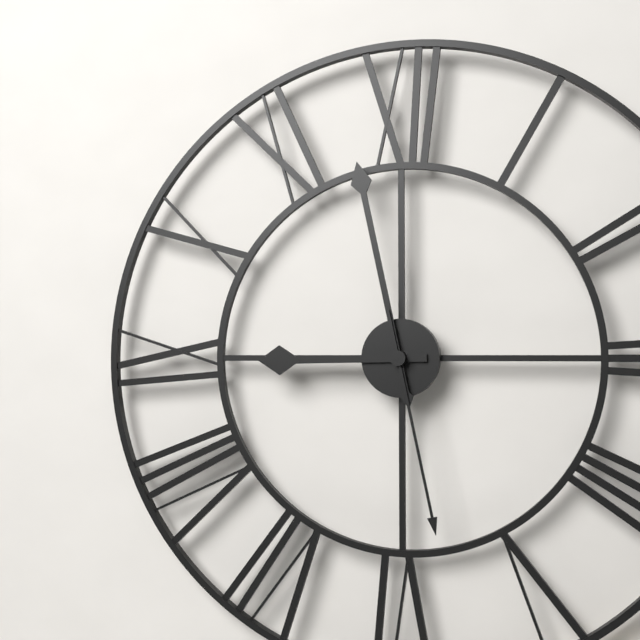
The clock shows 8h58m28s
